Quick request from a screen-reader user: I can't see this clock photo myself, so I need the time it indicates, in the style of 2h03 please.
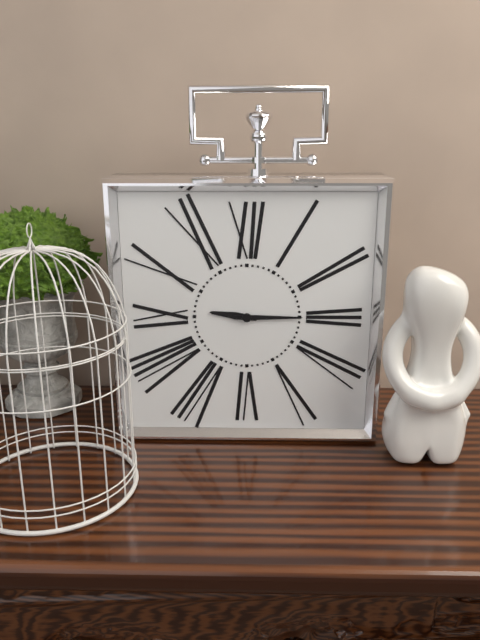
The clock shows 9h15
